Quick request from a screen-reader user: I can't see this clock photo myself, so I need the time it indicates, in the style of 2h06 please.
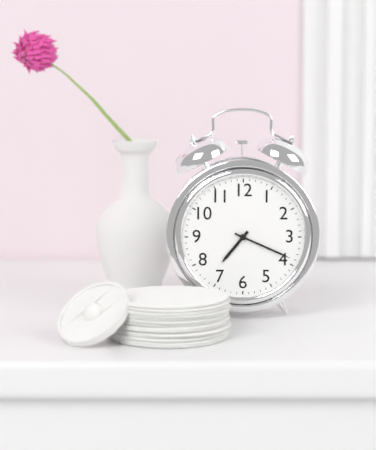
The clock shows 7h19
